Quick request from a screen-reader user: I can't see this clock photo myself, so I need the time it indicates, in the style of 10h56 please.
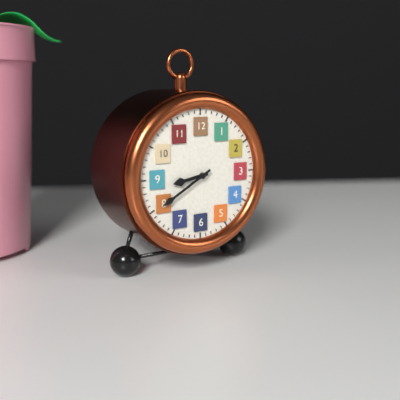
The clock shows 8h40
